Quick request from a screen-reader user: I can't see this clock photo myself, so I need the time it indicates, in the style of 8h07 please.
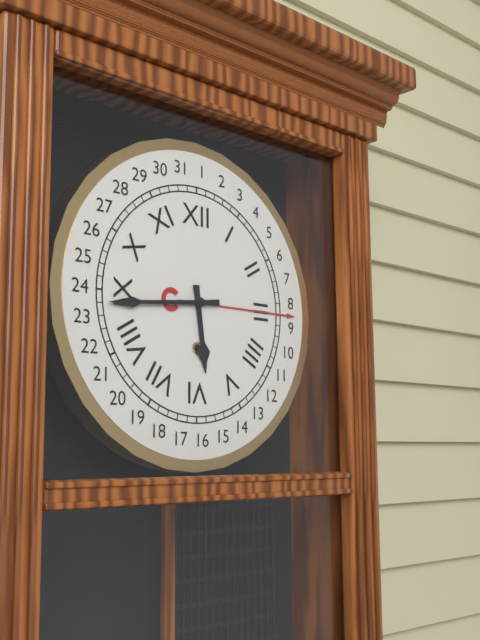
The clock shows 5h44
